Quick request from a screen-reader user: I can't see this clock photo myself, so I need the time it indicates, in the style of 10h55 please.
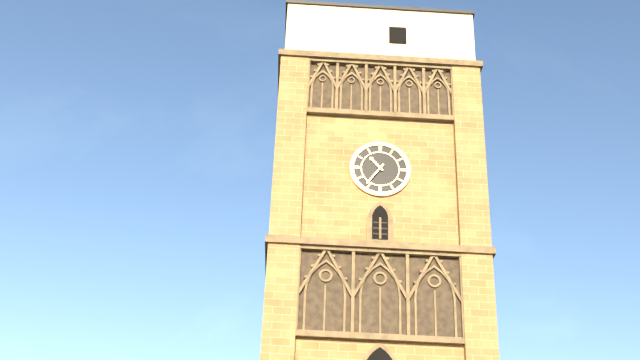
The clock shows 10h36
